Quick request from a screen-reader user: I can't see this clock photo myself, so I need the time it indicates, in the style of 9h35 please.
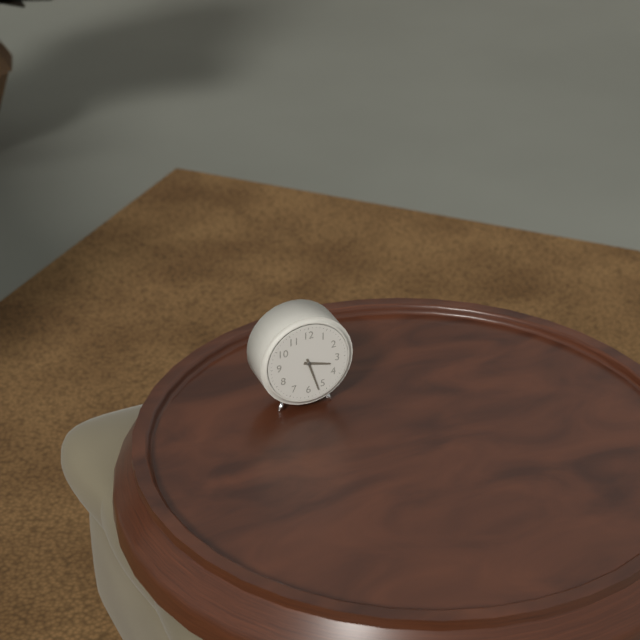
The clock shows 3h27
